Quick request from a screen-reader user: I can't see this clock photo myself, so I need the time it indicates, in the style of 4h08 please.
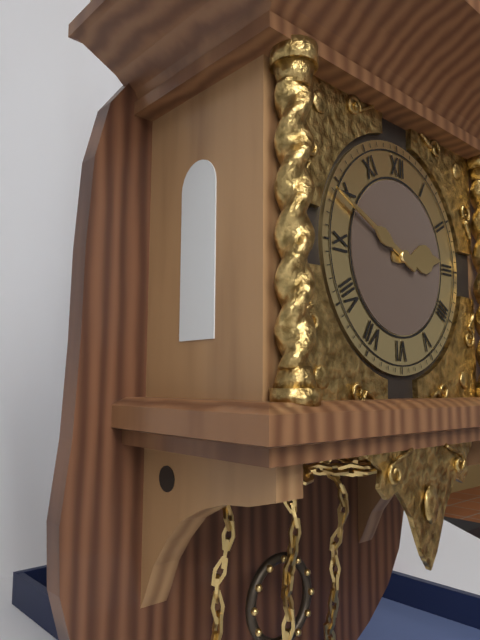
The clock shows 2h49
